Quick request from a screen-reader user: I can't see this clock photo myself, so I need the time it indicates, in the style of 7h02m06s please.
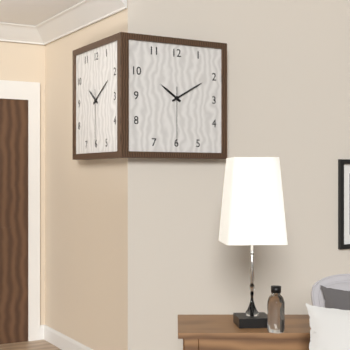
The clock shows 10h10m30s
